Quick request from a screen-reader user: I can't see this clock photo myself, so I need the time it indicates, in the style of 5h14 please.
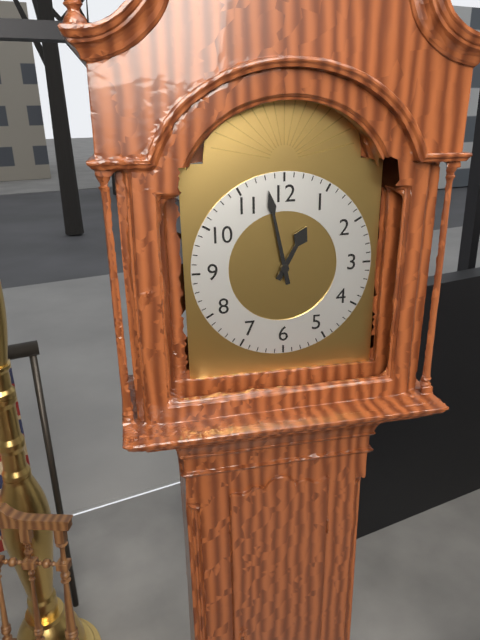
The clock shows 12h58
